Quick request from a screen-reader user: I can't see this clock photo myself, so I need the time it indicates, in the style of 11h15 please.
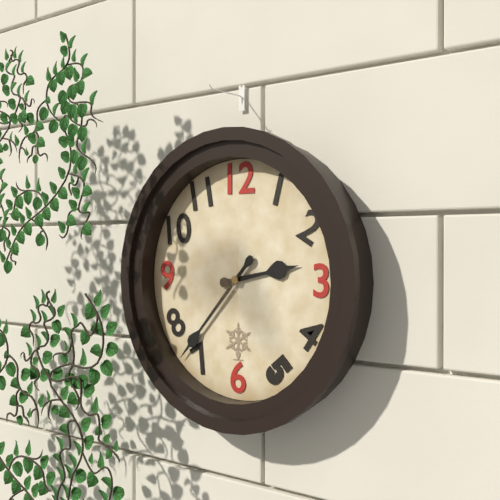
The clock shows 2h37
